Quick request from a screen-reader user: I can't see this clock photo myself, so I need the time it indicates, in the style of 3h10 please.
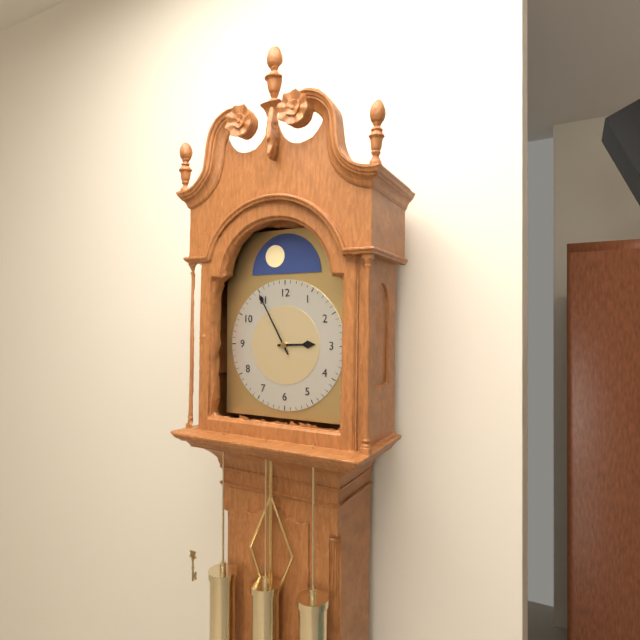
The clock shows 2h55
